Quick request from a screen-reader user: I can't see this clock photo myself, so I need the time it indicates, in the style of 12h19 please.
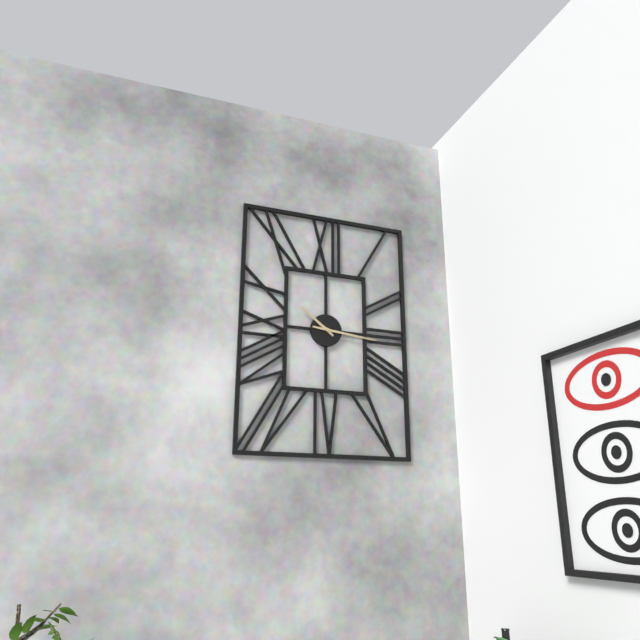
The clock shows 10h16
